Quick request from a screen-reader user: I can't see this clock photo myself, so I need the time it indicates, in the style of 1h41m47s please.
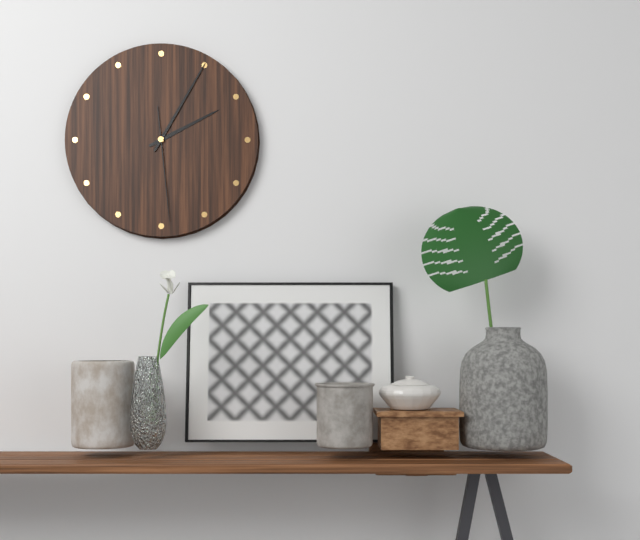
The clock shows 2h05m29s
